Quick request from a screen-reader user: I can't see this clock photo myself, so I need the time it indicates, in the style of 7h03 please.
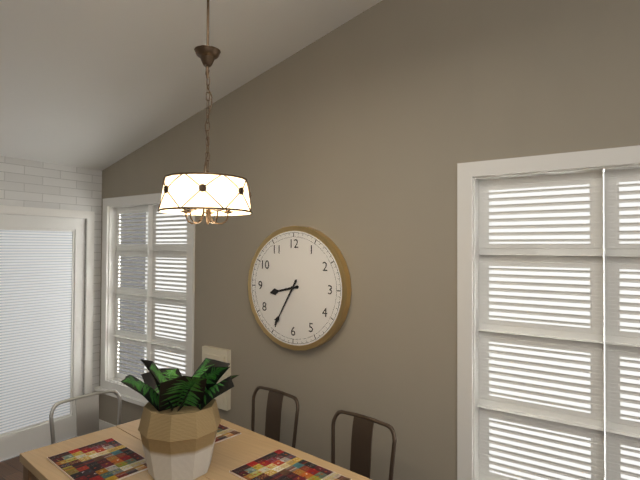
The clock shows 8h35
